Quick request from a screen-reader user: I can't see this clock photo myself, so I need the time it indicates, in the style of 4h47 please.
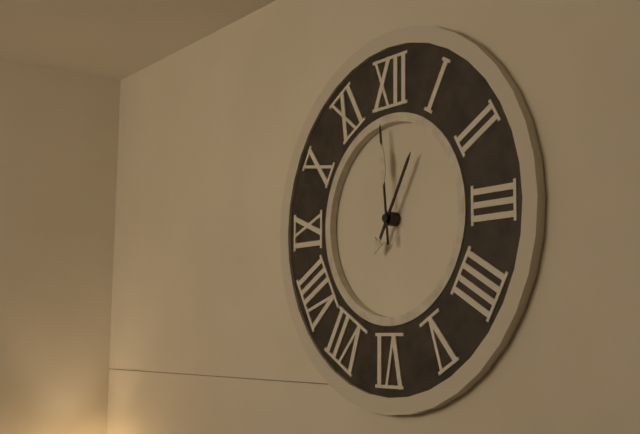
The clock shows 12h59
